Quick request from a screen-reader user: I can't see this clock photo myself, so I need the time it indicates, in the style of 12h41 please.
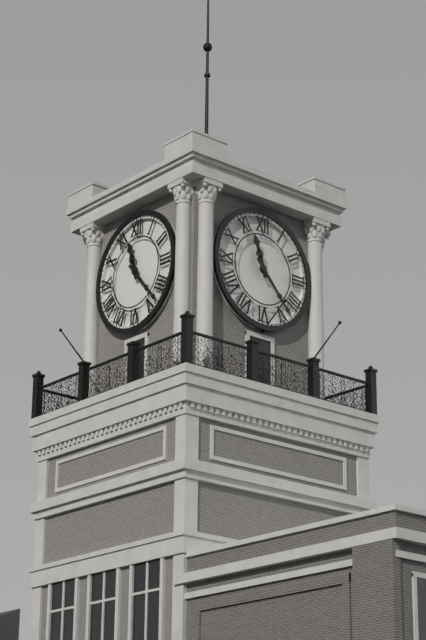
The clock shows 11h23
